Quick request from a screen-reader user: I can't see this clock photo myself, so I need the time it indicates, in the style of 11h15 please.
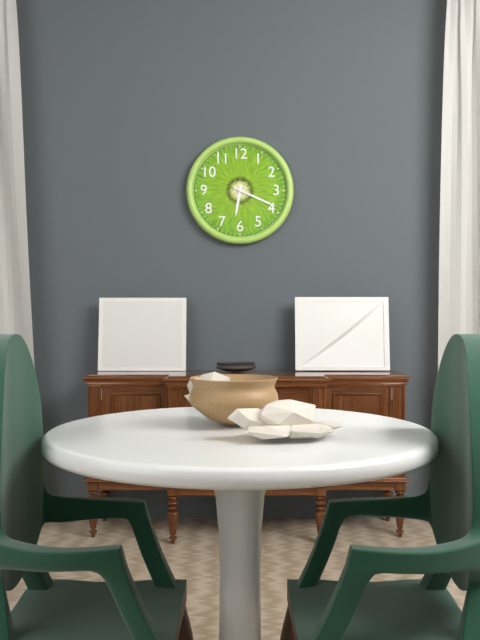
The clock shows 6h19
